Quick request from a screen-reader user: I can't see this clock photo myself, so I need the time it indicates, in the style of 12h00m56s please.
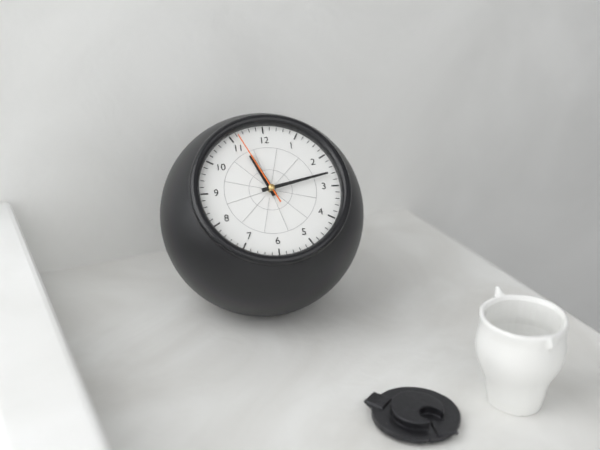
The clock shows 11h13m56s
